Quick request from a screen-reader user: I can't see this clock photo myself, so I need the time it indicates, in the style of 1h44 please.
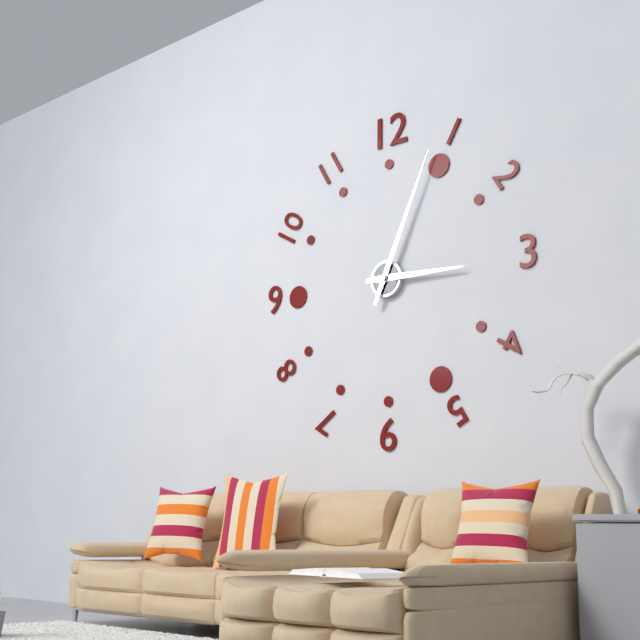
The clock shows 3h04
